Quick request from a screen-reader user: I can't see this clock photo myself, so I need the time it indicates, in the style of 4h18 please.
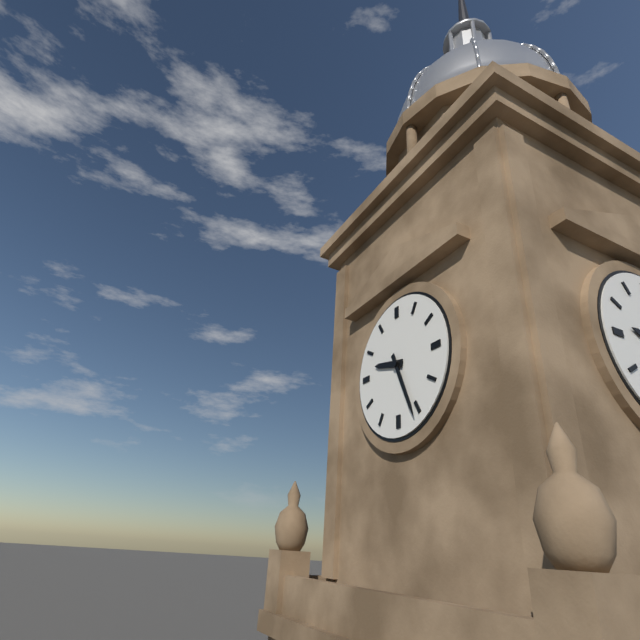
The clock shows 9h26
